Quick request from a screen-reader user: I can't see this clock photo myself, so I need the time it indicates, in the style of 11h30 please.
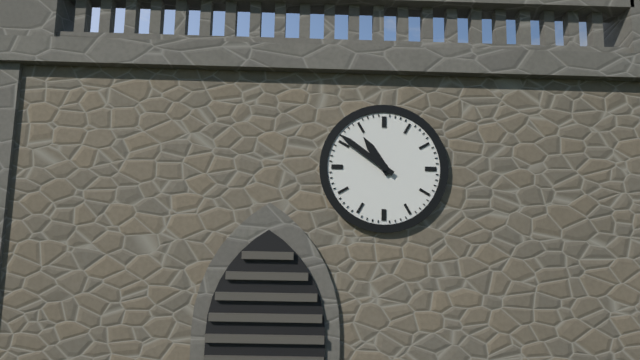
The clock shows 10h51
